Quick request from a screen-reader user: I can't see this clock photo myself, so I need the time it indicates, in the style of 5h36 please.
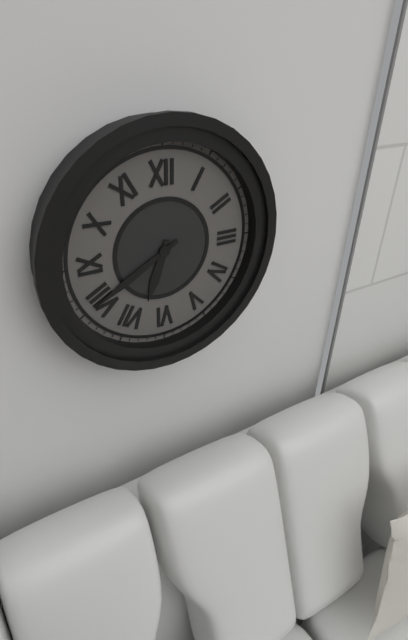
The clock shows 6h40
